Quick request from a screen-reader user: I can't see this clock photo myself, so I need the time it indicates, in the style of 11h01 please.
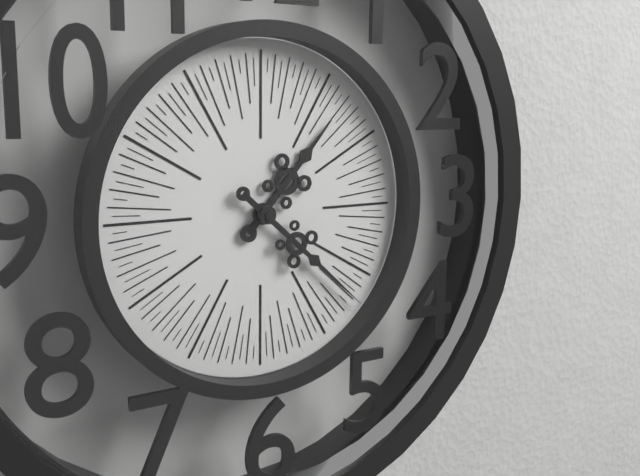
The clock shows 1h22
